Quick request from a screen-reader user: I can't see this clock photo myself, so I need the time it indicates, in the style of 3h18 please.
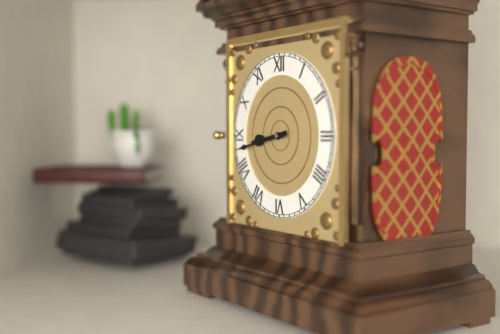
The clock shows 8h43
